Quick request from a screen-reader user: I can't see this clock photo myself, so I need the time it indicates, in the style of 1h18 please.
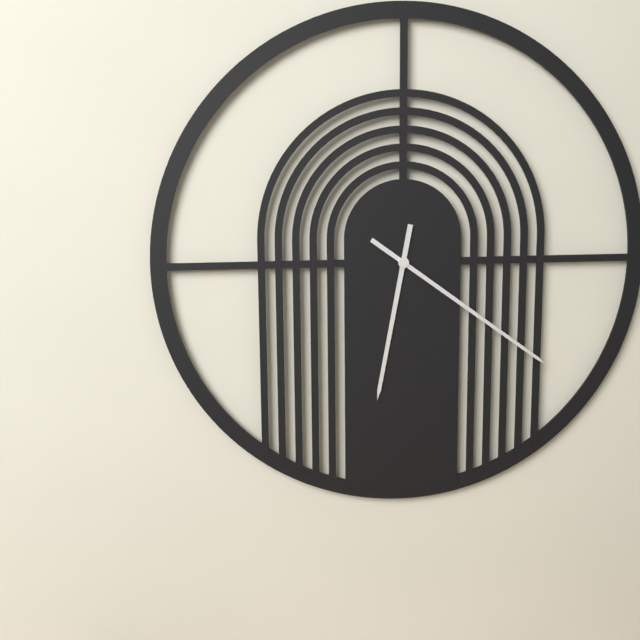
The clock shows 6h21
